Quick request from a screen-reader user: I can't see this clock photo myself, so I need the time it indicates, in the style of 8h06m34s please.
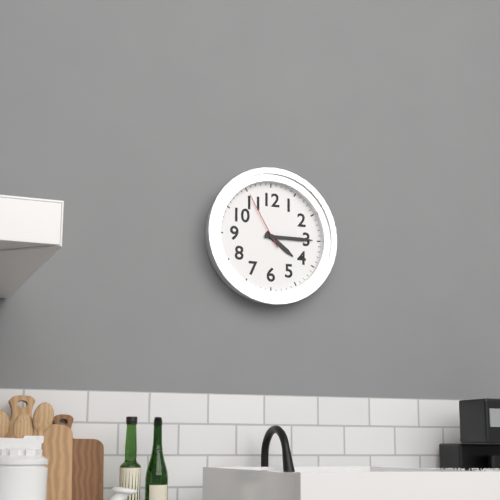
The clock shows 4h15m55s
